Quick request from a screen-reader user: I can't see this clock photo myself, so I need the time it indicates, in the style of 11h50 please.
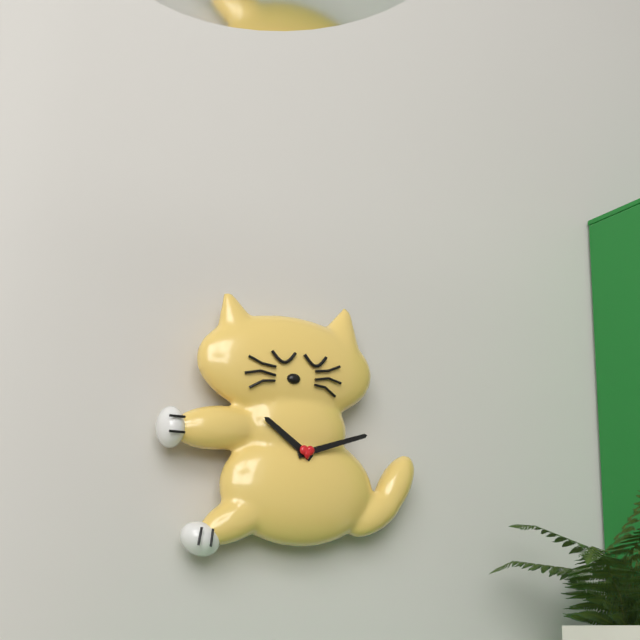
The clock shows 10h12
